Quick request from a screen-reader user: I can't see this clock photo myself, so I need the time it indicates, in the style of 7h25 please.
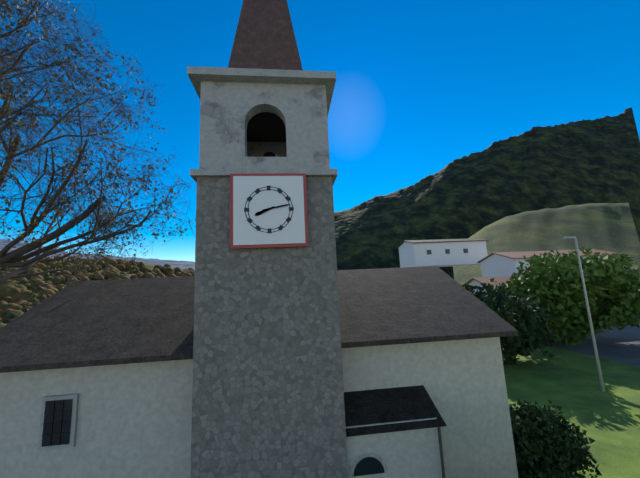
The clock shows 8h13
